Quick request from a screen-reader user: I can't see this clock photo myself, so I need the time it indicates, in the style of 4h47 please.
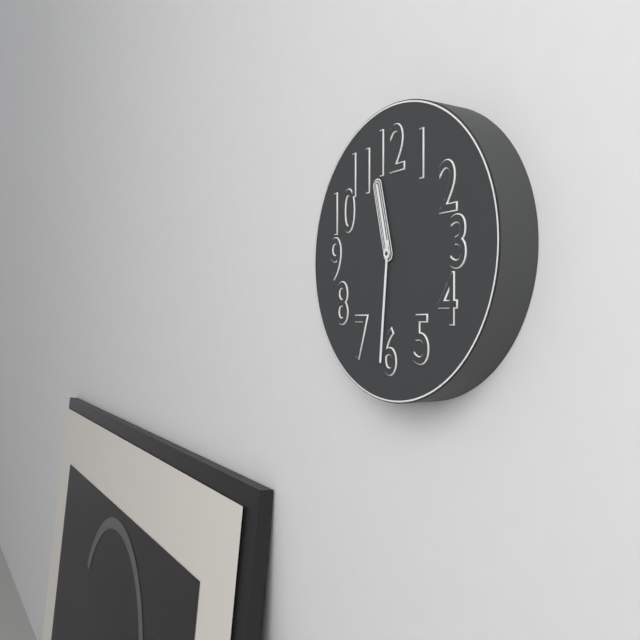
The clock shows 11h31
